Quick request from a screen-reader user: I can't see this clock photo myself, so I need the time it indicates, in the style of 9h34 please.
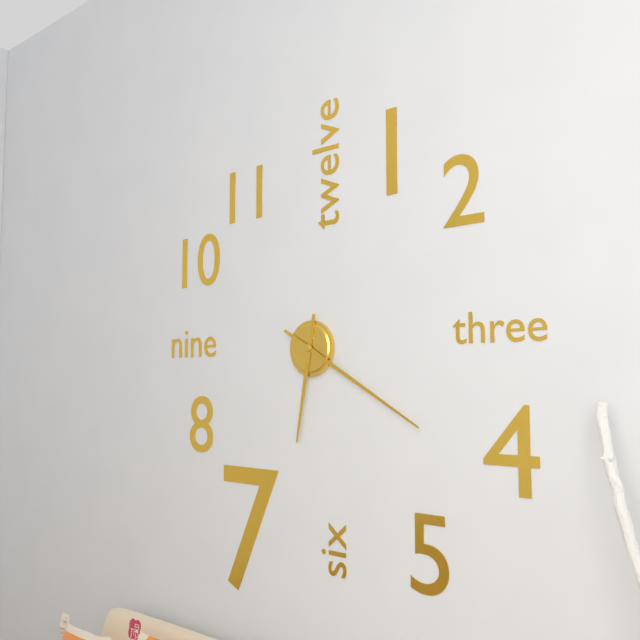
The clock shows 6h20
